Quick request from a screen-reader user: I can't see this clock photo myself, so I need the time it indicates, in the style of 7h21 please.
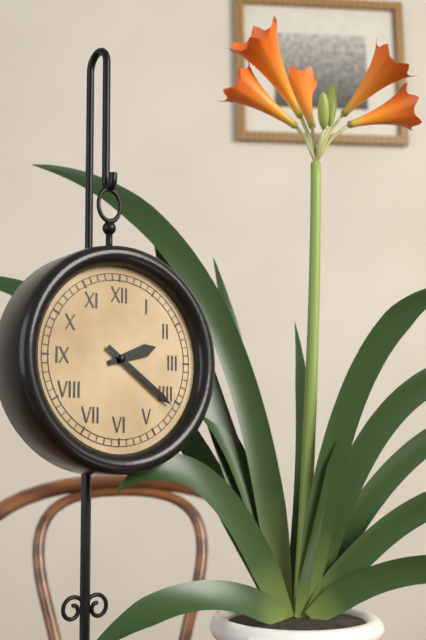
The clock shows 2h21
